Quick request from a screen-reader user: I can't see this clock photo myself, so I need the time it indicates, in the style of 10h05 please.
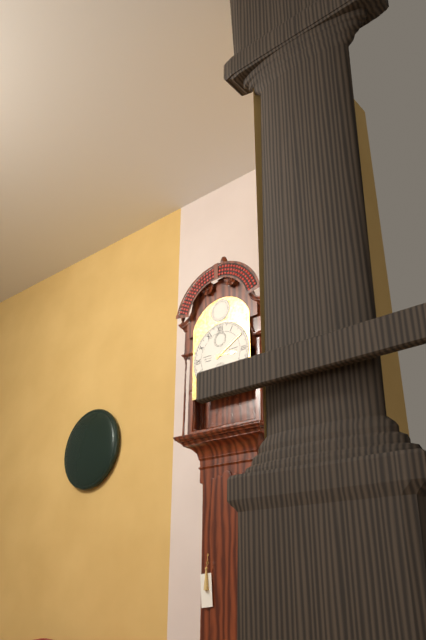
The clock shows 3h10
